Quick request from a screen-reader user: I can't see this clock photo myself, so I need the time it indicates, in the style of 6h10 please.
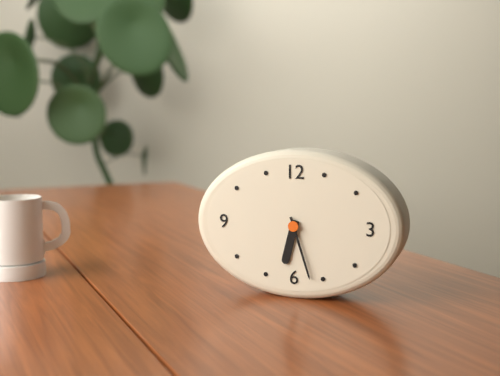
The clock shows 6h27
